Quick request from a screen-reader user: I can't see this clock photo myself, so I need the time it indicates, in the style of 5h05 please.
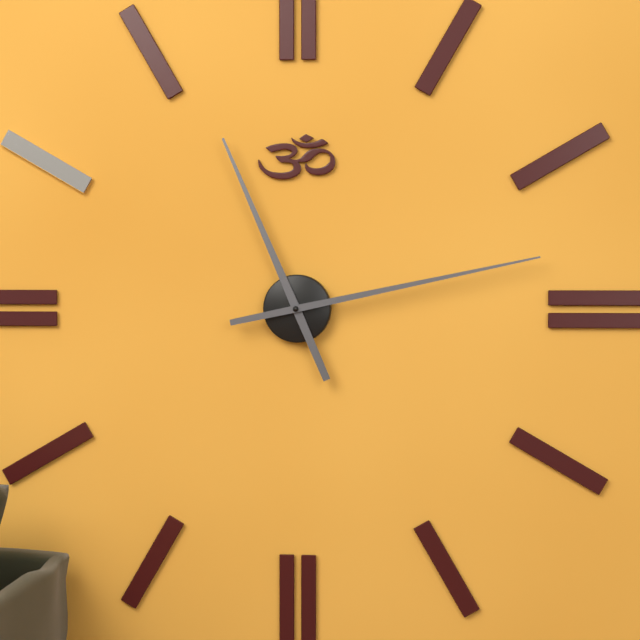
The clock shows 11h13
